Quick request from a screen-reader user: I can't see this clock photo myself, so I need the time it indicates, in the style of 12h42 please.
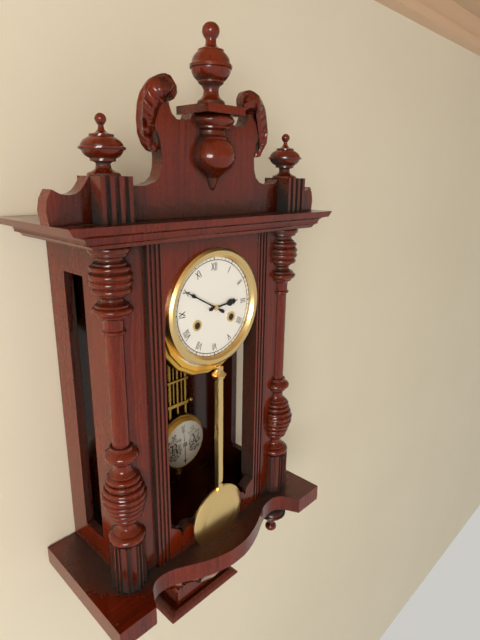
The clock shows 2h50
